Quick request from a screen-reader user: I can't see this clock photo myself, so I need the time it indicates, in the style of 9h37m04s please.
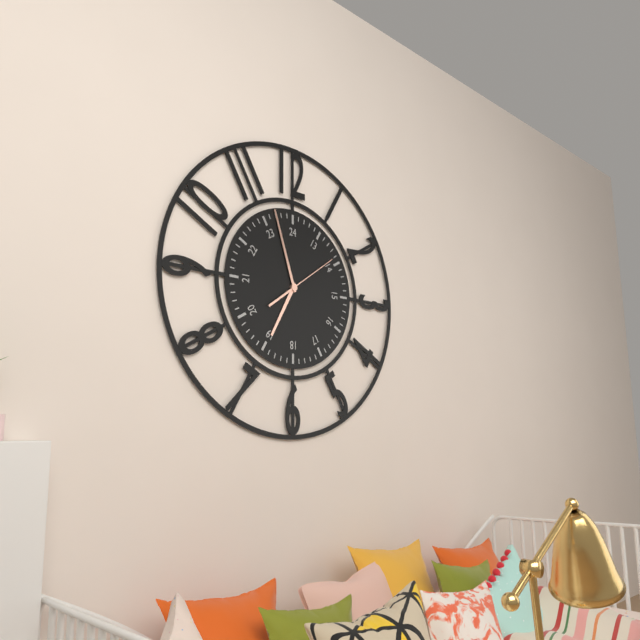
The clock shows 6h57m09s
